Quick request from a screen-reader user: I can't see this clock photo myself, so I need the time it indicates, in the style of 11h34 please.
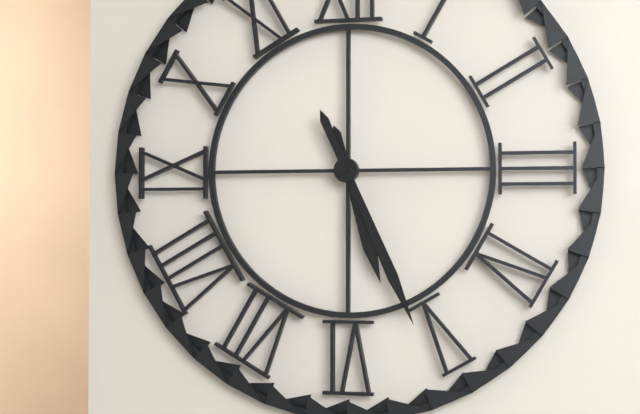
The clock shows 5h26
